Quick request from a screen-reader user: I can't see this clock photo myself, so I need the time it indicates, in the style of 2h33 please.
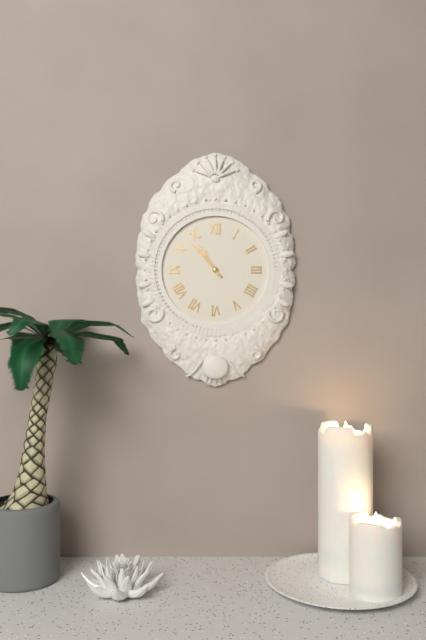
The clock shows 10h53
